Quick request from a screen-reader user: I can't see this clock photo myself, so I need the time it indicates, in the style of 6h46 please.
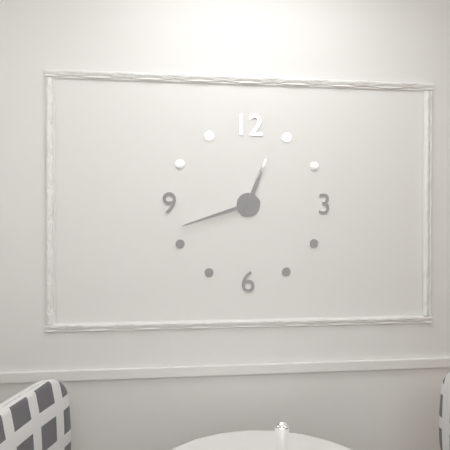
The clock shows 12h42
